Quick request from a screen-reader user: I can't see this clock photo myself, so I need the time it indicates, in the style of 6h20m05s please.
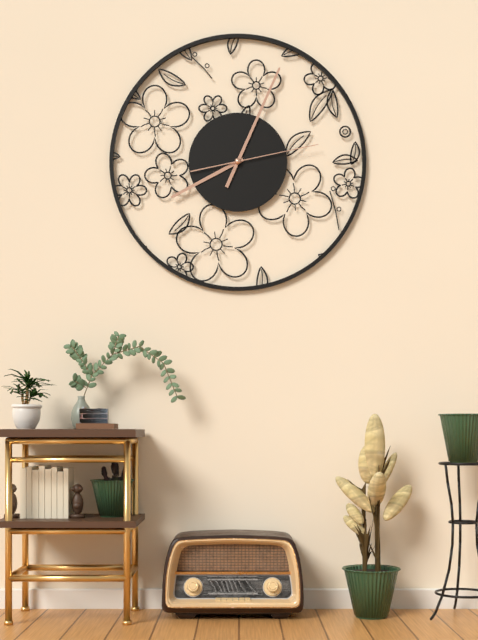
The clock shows 8h04m13s
